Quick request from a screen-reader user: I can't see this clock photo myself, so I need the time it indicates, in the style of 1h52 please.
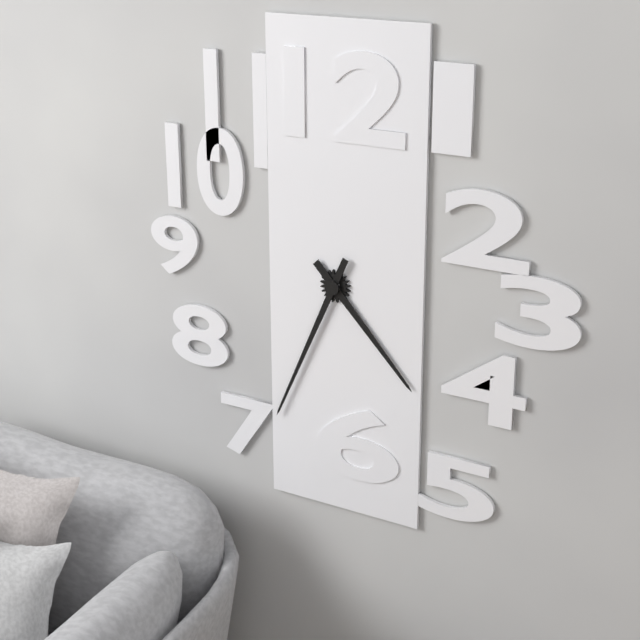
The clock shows 4h34
